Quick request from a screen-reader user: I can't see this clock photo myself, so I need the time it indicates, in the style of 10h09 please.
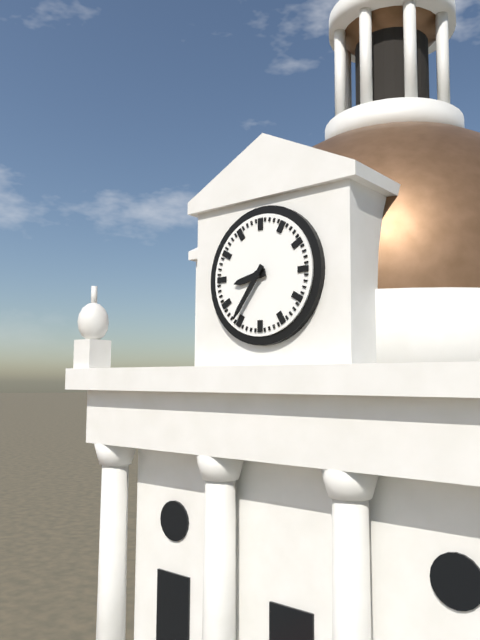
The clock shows 8h36
